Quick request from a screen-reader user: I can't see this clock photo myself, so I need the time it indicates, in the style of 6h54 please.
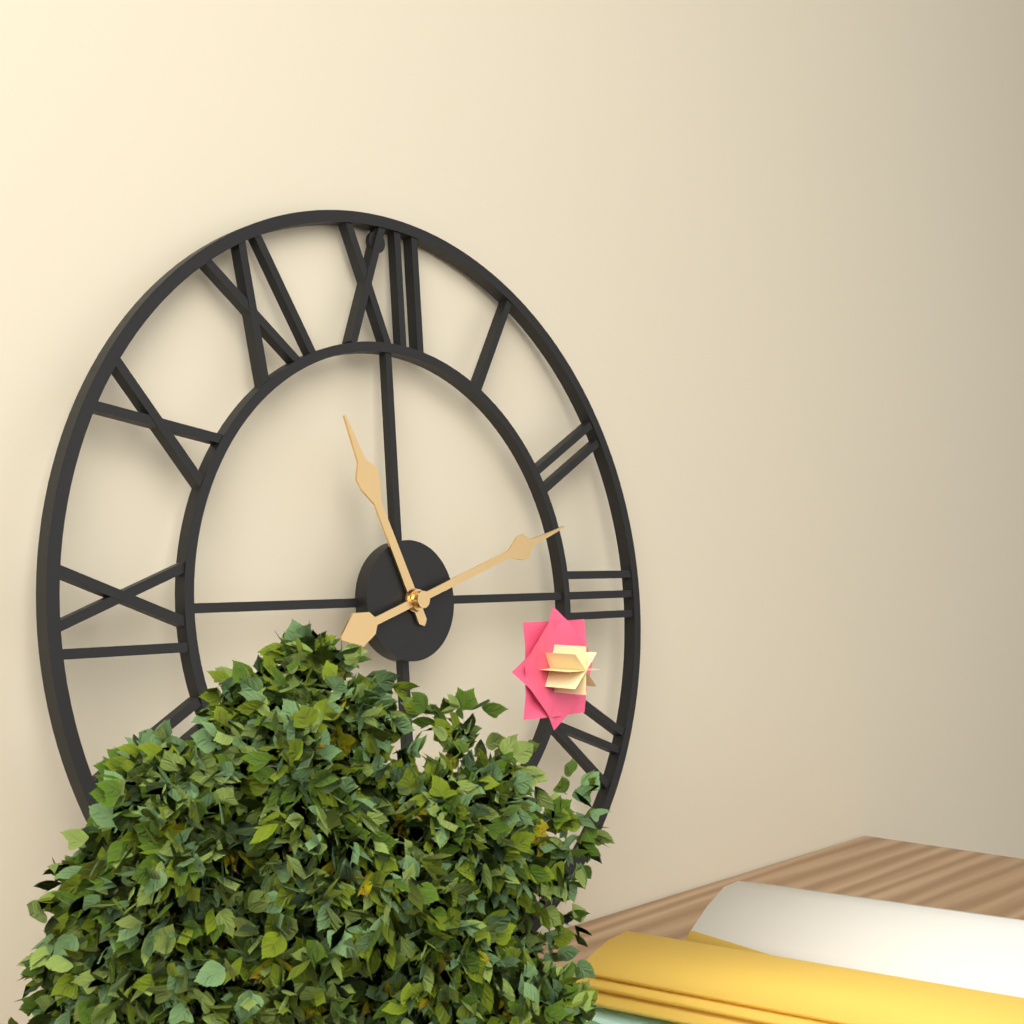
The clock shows 11h12
